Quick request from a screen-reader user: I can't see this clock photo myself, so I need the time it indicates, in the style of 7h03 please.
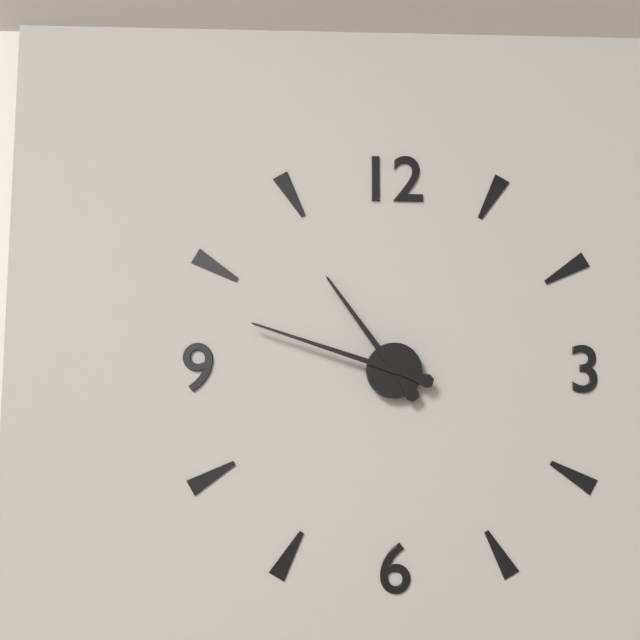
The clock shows 10h48
